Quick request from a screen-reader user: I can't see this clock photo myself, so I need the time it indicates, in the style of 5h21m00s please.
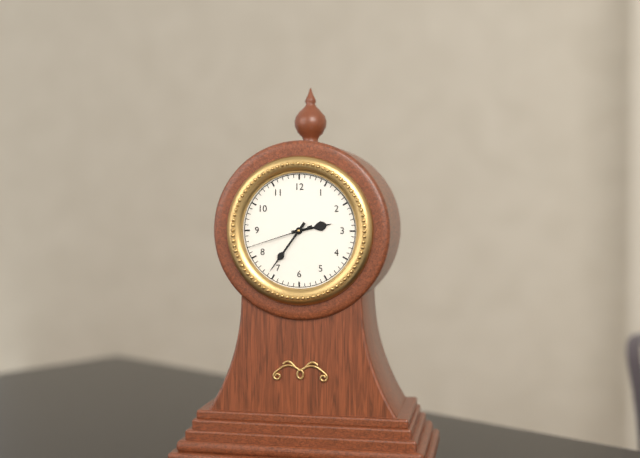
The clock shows 2h36m42s
